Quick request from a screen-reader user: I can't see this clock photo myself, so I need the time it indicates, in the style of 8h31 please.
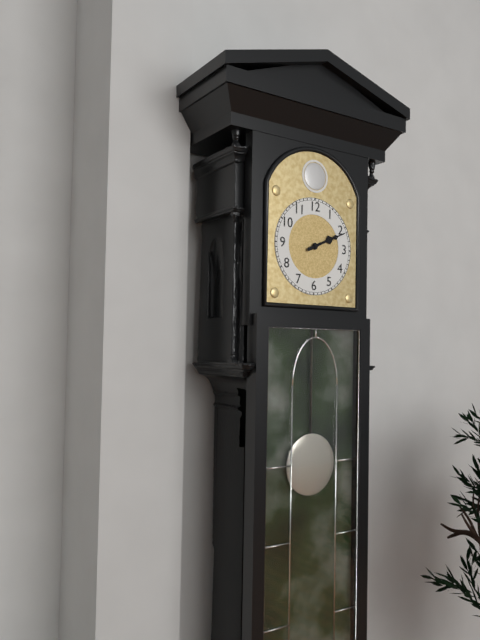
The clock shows 2h11
